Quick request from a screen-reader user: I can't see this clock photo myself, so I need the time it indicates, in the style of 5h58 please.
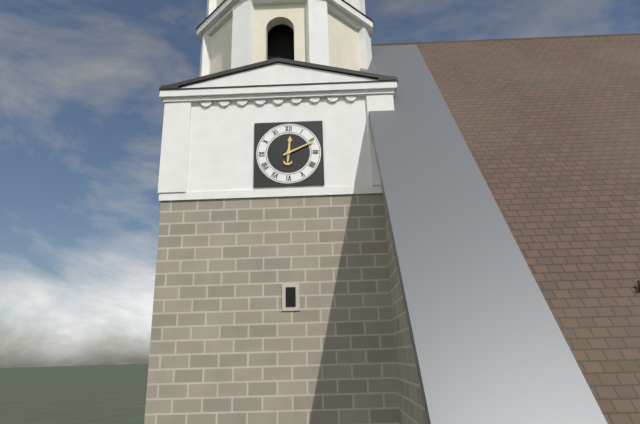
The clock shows 12h11
